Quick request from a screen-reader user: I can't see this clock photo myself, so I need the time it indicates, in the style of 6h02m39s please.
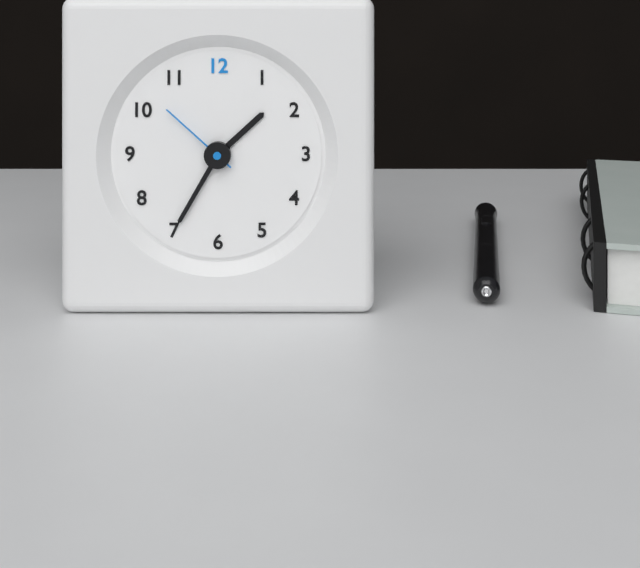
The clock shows 1h35m52s
